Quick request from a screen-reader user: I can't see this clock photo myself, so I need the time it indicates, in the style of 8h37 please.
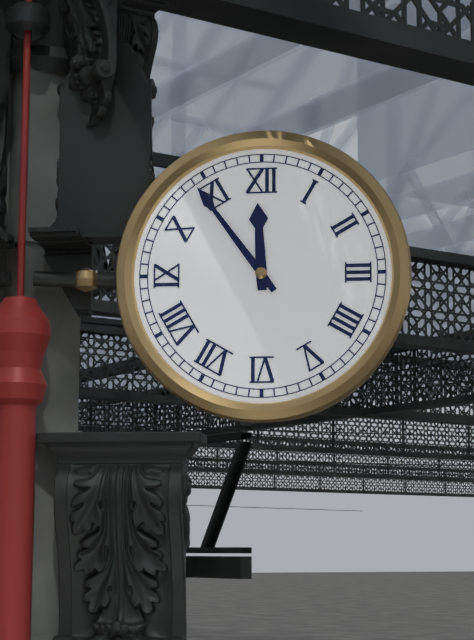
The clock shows 11h54
